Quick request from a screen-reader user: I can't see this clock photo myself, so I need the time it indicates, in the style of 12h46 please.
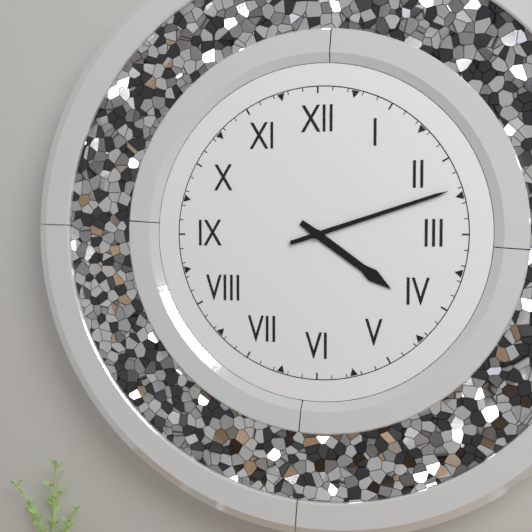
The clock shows 4h12
